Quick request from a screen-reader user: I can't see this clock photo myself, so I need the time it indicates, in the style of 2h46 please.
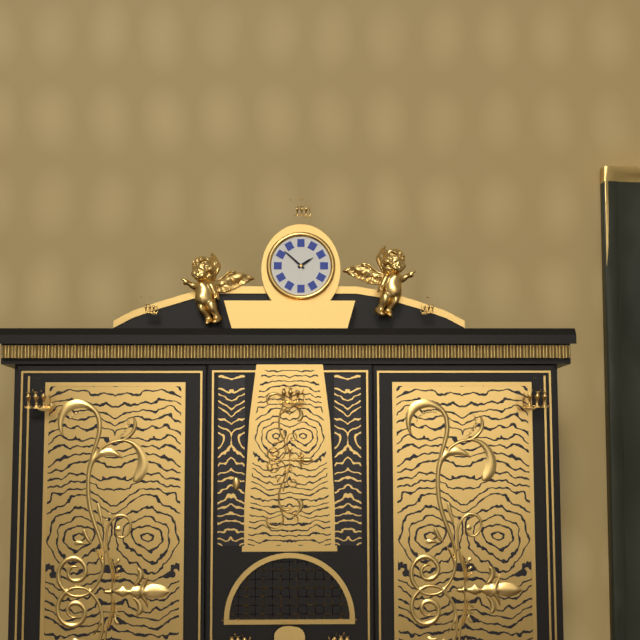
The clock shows 1h52
